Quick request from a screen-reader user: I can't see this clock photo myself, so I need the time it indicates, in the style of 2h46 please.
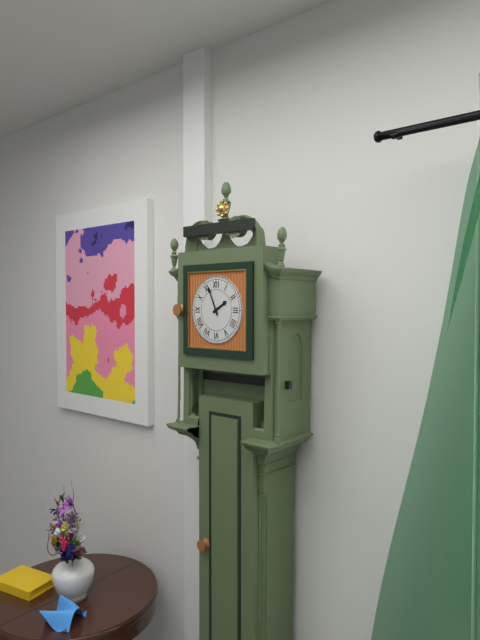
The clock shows 1h56
